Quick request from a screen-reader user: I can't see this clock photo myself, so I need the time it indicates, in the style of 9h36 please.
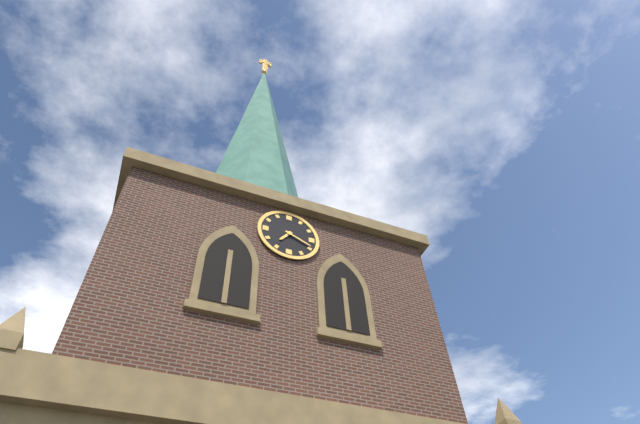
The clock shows 7h19
